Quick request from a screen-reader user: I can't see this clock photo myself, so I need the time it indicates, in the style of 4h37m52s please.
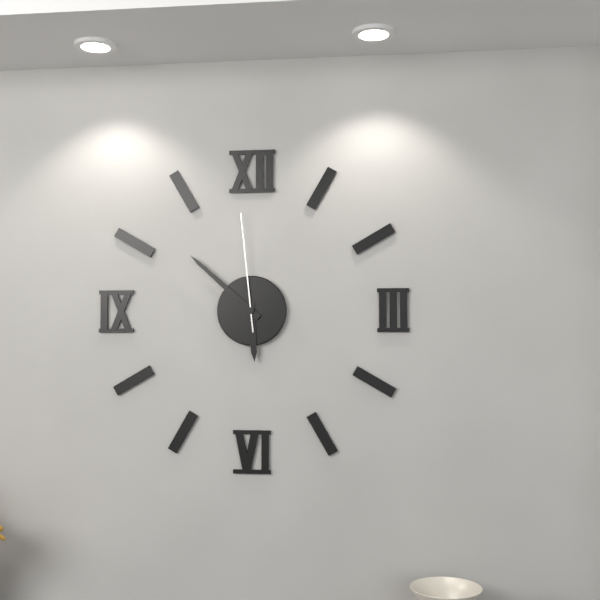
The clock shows 5h52m59s
